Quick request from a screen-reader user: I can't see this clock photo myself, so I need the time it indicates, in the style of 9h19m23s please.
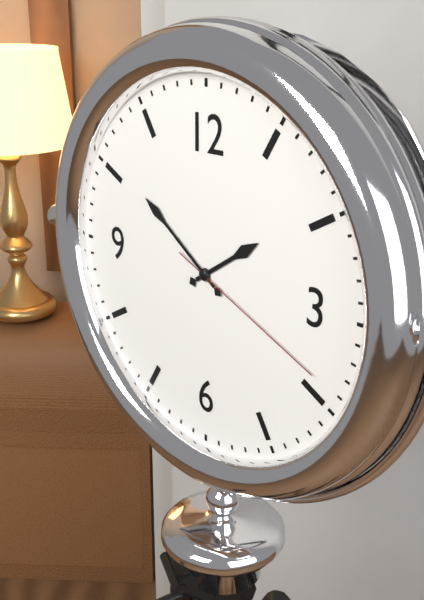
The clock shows 1h51m19s
